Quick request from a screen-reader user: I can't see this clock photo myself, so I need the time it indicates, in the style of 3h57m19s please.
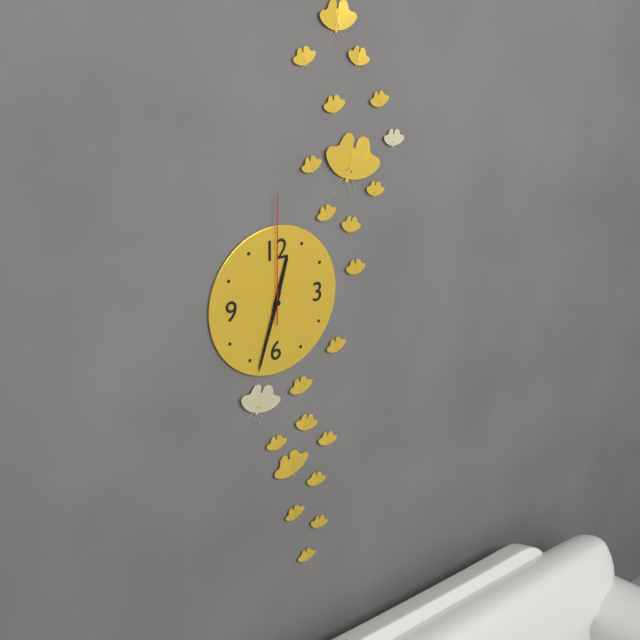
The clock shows 12h33m00s
